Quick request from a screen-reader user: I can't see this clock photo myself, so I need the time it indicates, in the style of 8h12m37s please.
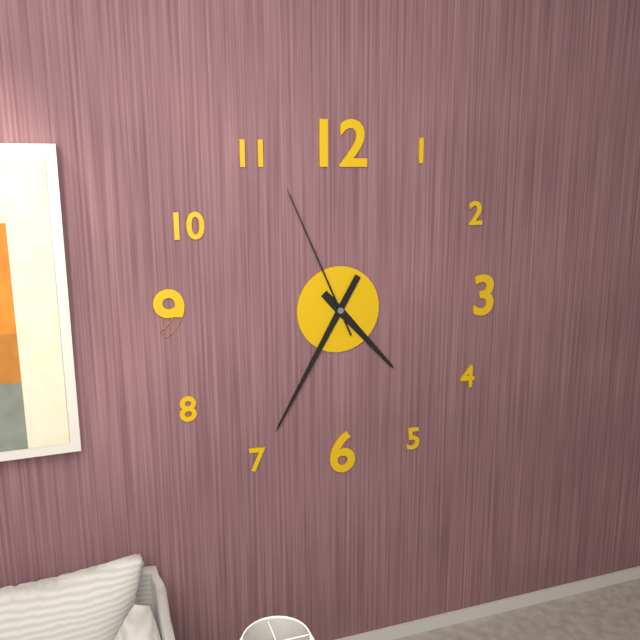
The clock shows 4h35m56s
